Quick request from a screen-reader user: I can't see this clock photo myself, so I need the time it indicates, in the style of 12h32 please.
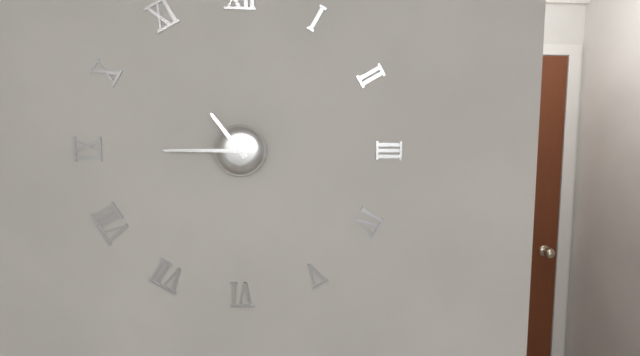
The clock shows 10h45
